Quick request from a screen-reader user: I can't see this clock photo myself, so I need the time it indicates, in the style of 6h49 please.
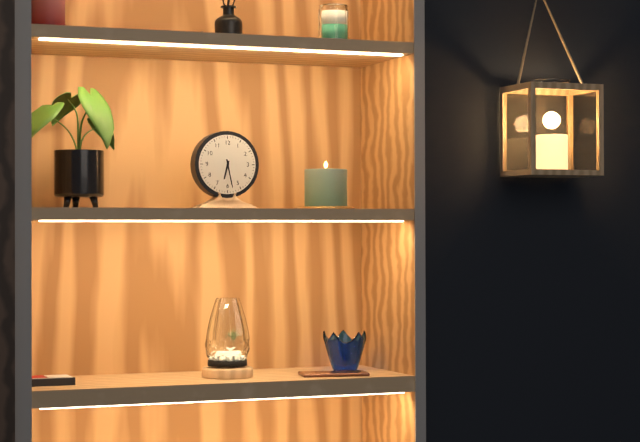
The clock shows 6h28
